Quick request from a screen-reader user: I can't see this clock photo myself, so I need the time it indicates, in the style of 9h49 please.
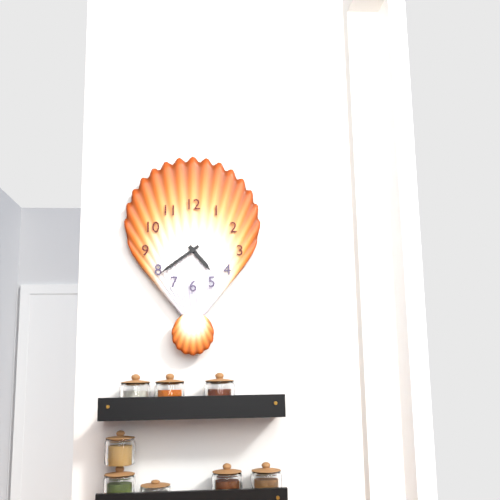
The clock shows 4h39
